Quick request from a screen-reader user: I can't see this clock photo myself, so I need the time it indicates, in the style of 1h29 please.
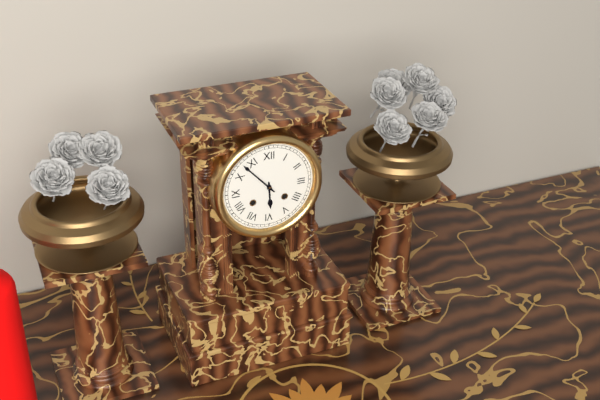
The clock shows 5h53
